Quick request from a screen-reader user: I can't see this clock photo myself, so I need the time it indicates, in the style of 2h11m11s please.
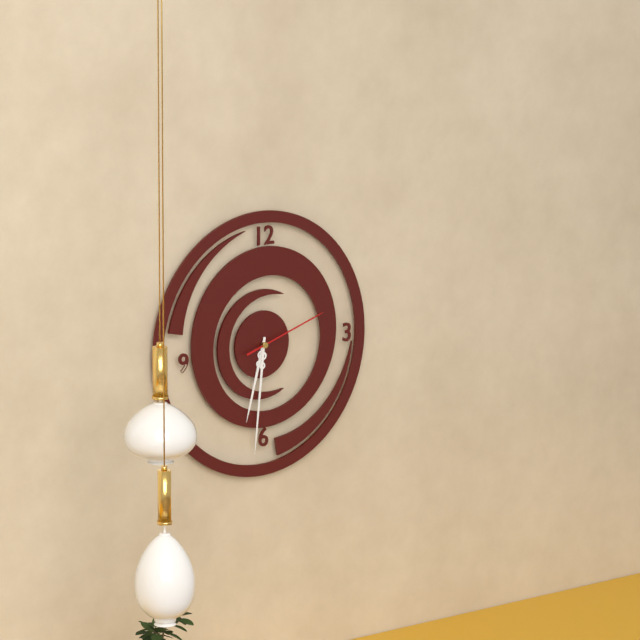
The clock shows 6h31m12s
